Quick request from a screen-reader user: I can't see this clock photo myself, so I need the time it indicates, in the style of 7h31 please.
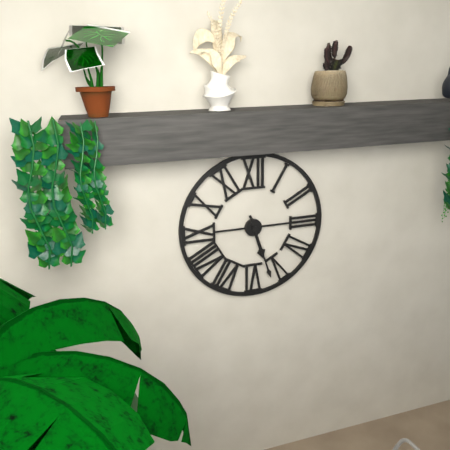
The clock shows 5h27
